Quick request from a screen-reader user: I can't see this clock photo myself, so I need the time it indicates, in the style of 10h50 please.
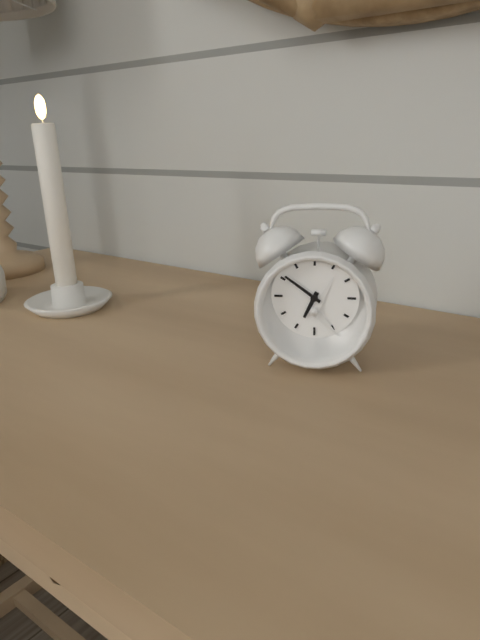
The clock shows 6h51
